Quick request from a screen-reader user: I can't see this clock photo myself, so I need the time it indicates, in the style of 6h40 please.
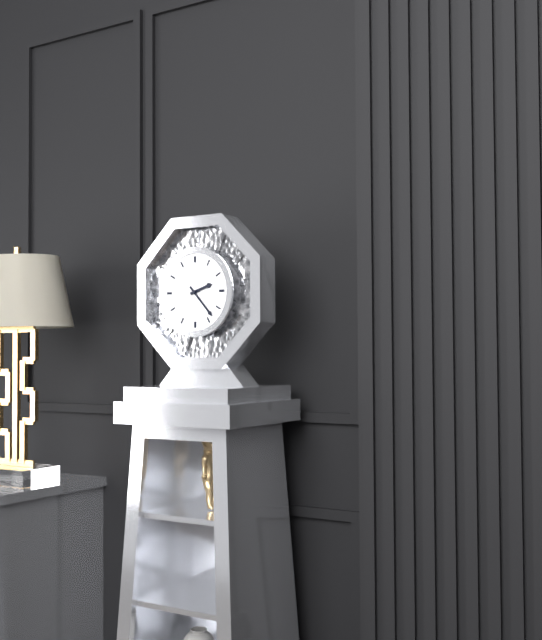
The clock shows 2h23
